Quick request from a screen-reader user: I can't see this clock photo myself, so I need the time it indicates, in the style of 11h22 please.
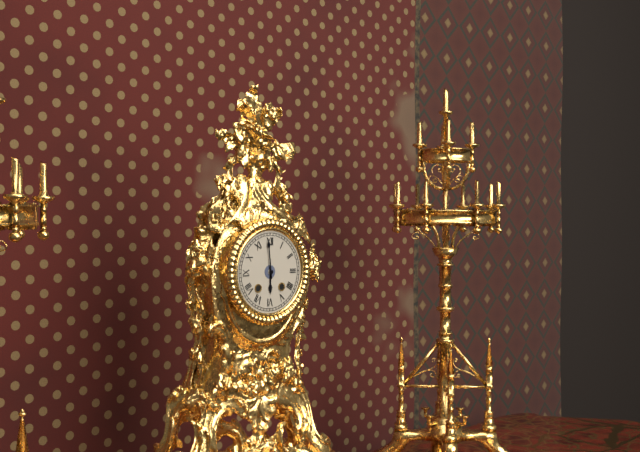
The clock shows 5h59
